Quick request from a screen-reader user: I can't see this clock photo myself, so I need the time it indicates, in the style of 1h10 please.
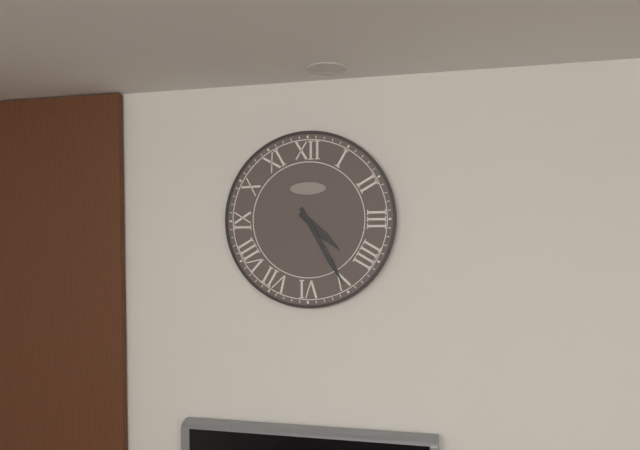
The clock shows 4h25
